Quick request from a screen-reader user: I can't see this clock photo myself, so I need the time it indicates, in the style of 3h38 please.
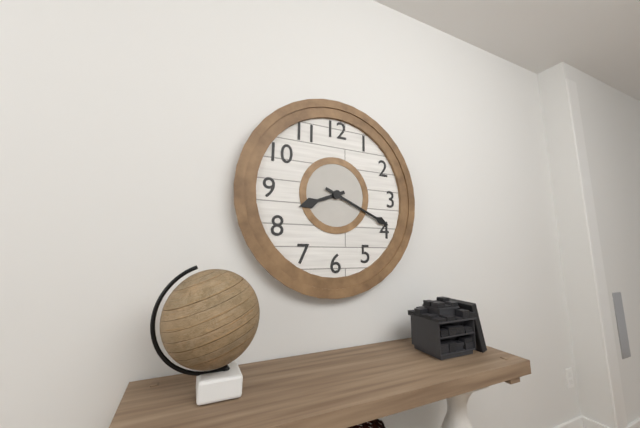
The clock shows 8h19
